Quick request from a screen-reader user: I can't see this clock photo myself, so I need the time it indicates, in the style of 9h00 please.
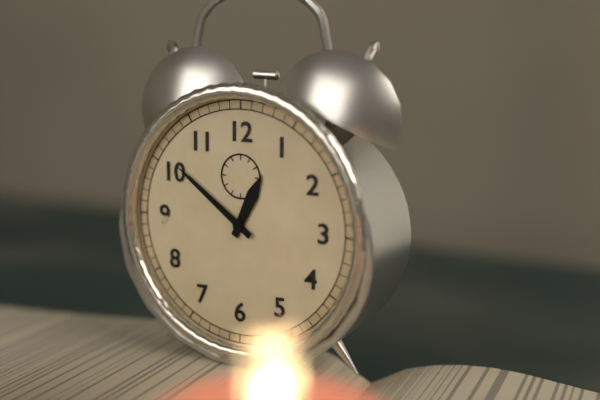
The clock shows 12h51
